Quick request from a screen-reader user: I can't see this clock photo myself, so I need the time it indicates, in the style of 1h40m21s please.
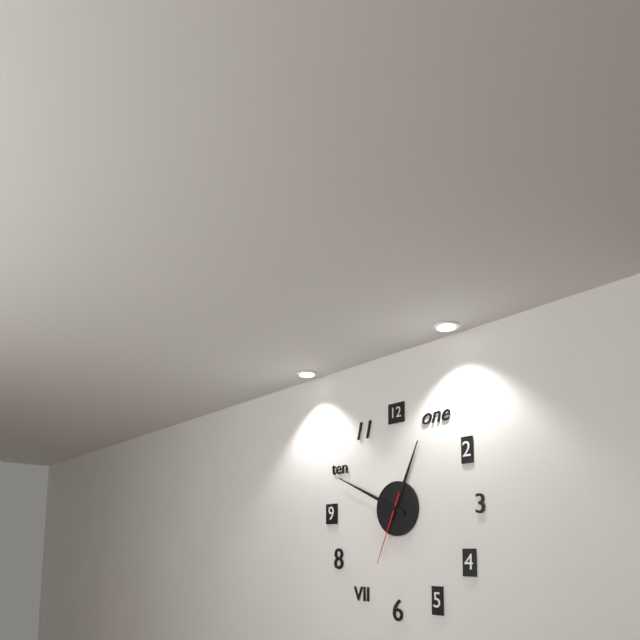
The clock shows 12h49m34s
